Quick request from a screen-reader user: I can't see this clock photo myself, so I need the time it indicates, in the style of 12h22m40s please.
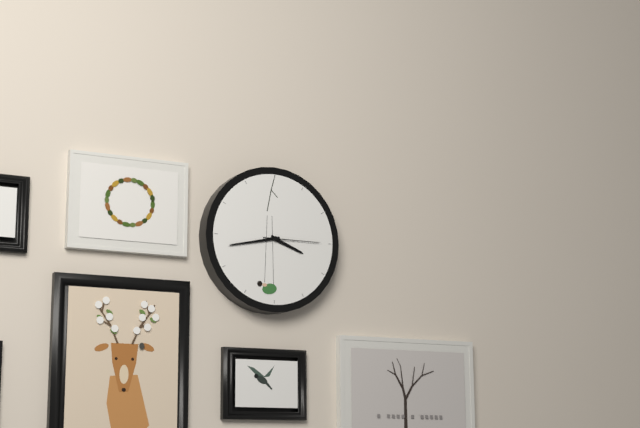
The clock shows 3h43m15s
